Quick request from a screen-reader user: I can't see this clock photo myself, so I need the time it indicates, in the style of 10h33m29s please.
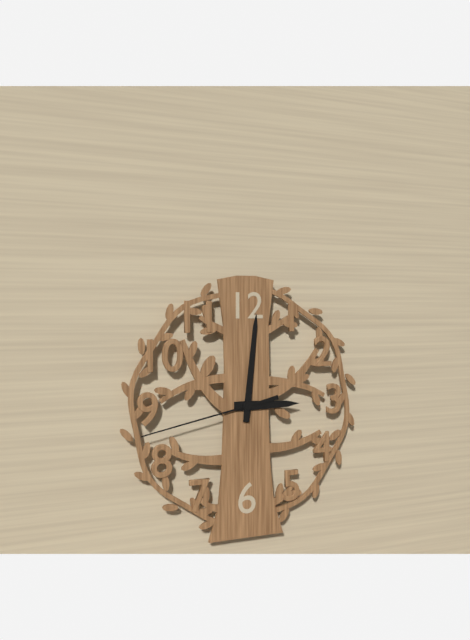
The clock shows 3h01m43s
